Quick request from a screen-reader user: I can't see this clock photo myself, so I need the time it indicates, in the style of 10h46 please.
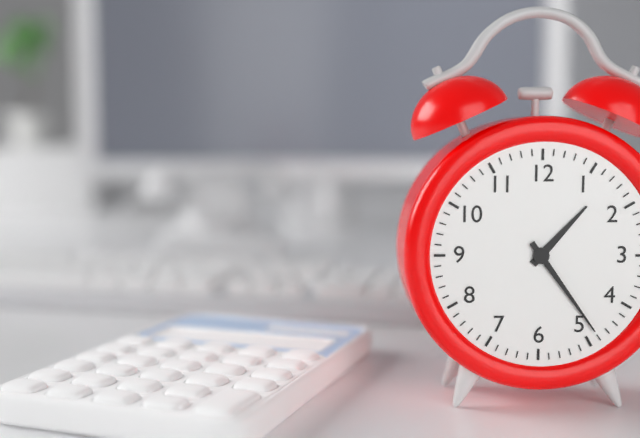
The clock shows 1h24
